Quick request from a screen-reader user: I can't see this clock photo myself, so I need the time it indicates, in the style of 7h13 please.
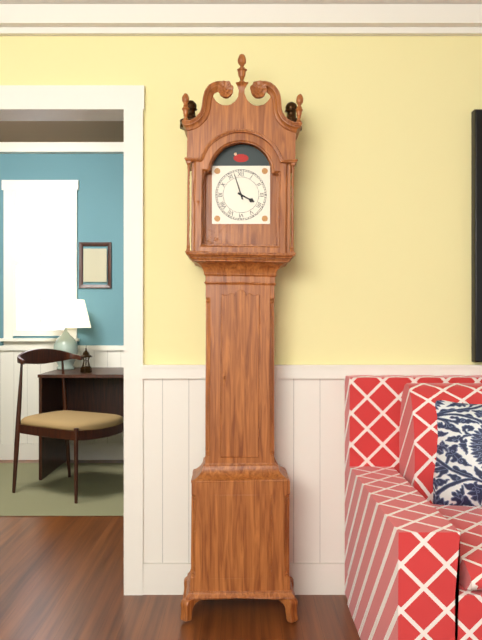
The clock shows 3h57
